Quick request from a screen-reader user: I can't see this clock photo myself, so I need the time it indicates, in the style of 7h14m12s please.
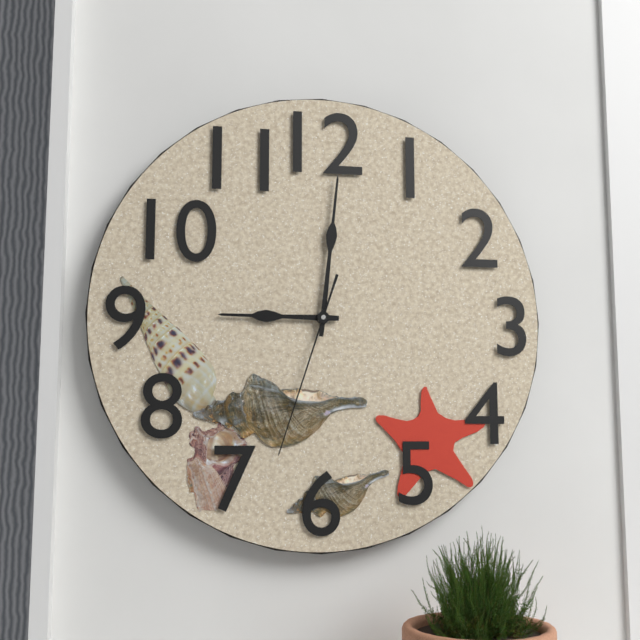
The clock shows 9h01m33s
